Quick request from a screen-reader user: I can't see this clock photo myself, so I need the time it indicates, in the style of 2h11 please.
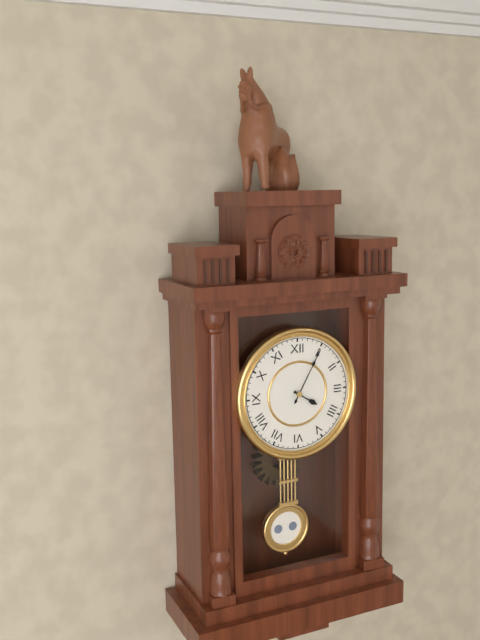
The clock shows 4h05
